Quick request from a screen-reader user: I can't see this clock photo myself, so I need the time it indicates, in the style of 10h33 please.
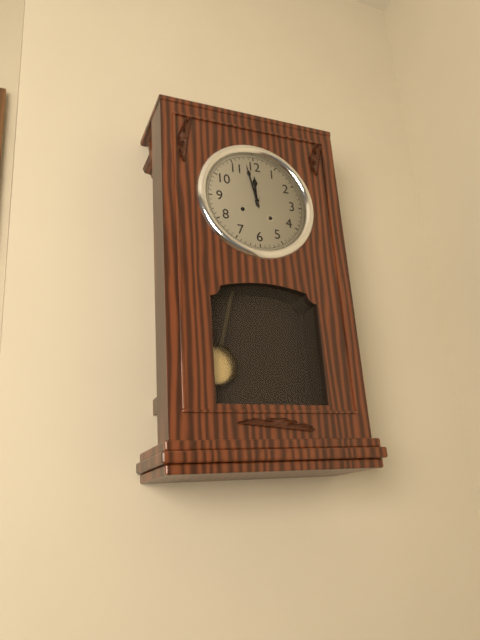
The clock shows 11h58
